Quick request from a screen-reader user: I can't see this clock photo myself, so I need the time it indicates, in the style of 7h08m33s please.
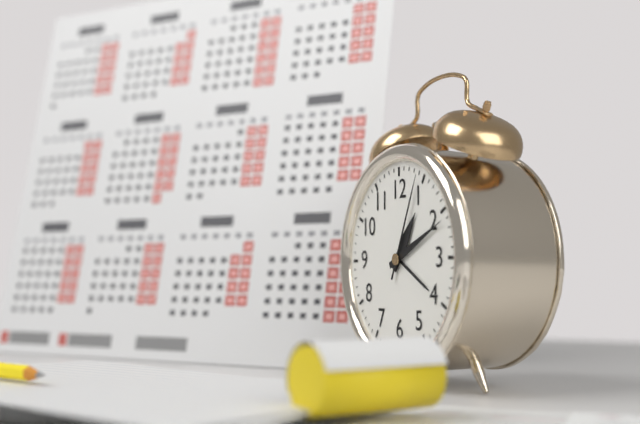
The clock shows 1h11m04s
